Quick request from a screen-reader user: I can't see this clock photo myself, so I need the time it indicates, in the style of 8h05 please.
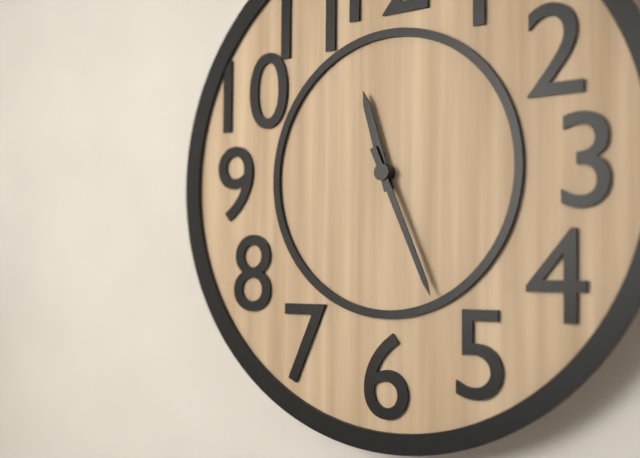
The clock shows 11h26
